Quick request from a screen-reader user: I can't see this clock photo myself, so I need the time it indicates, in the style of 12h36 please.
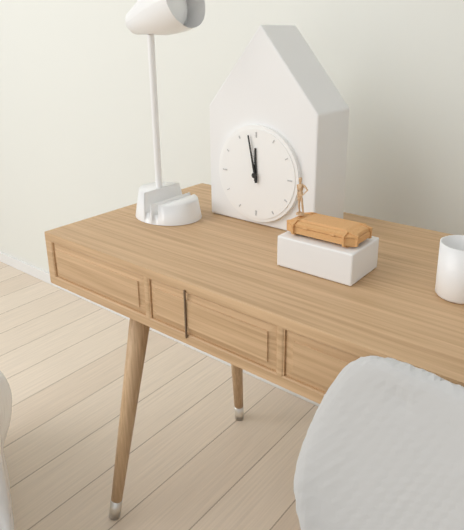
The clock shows 11h58
